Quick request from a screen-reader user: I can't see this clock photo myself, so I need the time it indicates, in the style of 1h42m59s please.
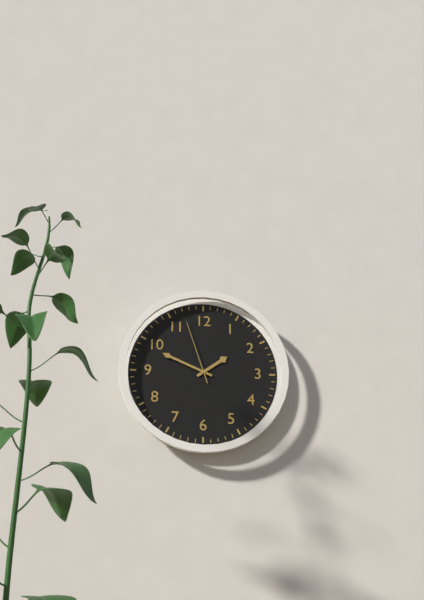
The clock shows 1h49m57s
